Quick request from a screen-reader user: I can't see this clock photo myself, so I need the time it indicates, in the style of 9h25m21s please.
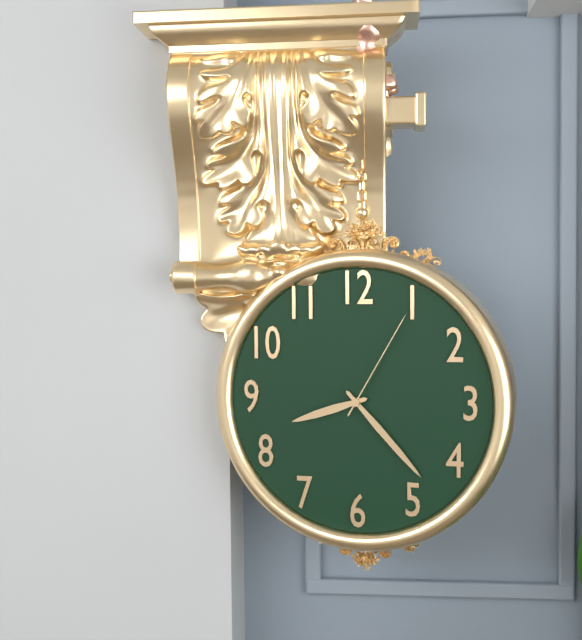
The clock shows 8h23m05s
